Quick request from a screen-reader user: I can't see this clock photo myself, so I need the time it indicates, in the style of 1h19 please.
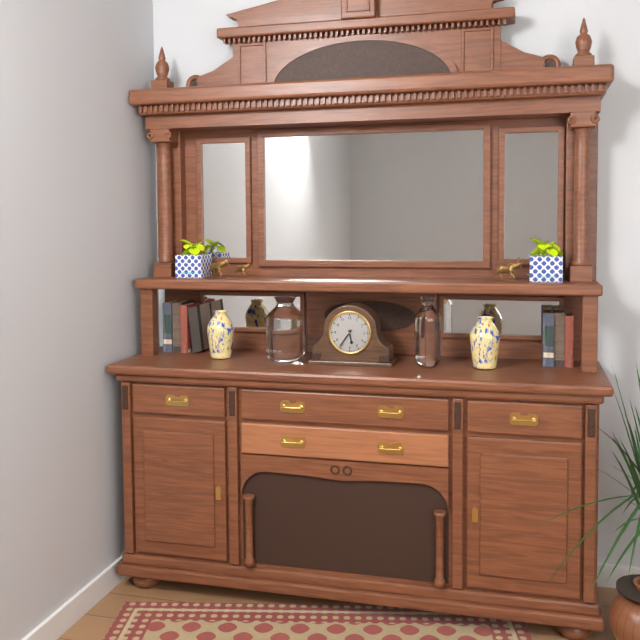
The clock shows 5h36
